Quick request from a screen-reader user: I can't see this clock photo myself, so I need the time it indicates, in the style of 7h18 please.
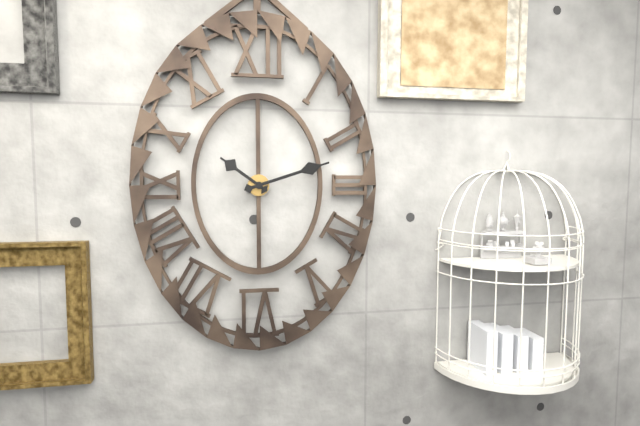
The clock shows 10h12
